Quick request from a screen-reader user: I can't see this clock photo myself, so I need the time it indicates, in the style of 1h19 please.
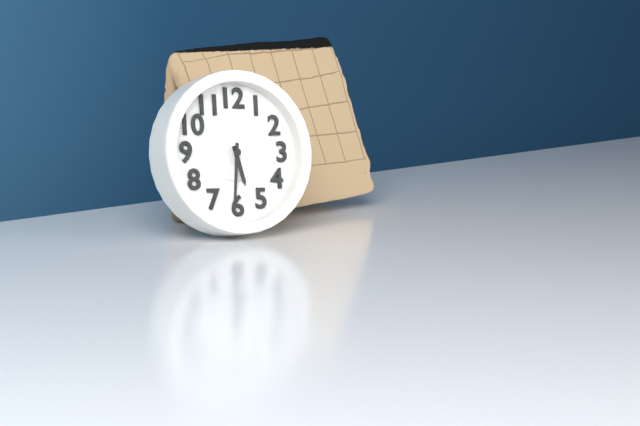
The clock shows 5h31
